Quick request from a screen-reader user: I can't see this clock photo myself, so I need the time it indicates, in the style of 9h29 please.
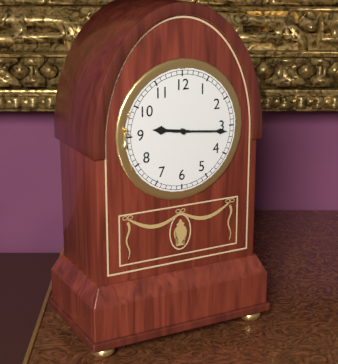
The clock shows 9h16
